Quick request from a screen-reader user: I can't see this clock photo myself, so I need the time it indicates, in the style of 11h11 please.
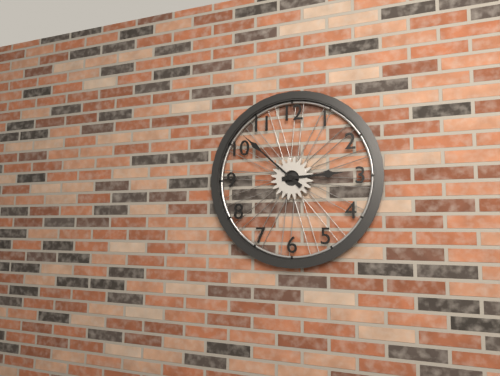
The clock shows 2h52
